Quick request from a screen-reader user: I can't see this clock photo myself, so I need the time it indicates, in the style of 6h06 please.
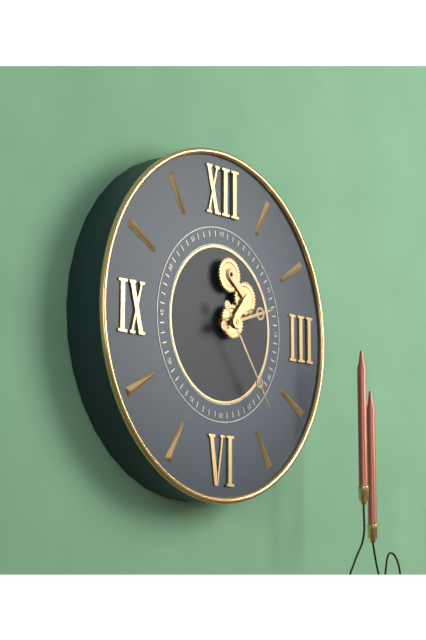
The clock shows 2h24
